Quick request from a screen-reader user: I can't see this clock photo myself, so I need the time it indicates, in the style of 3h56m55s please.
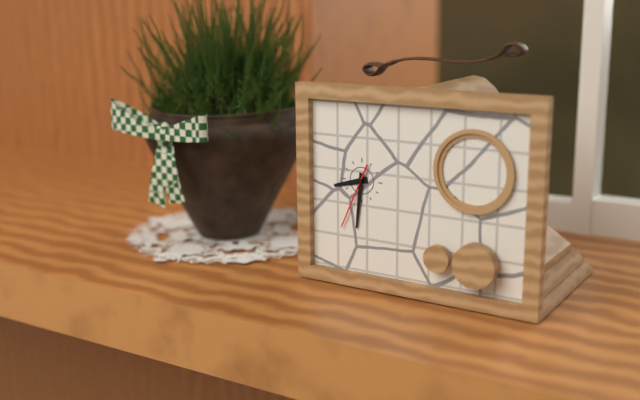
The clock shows 8h31m34s
